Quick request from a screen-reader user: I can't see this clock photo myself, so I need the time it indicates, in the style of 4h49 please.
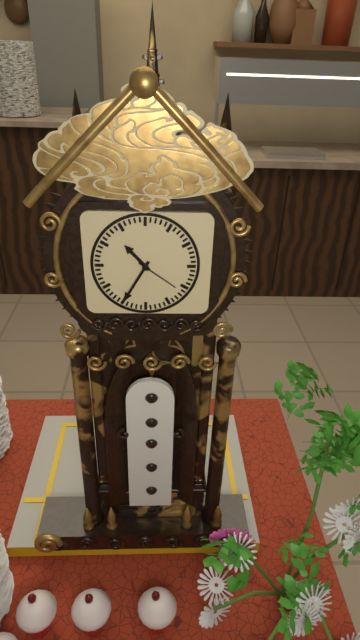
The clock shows 10h35
